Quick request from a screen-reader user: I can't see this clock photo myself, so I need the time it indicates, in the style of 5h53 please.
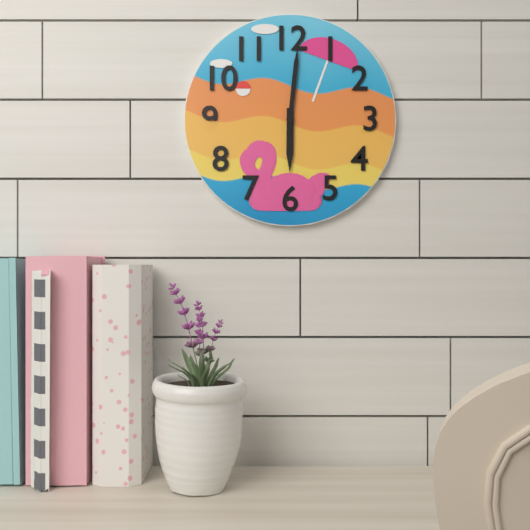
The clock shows 6h01
